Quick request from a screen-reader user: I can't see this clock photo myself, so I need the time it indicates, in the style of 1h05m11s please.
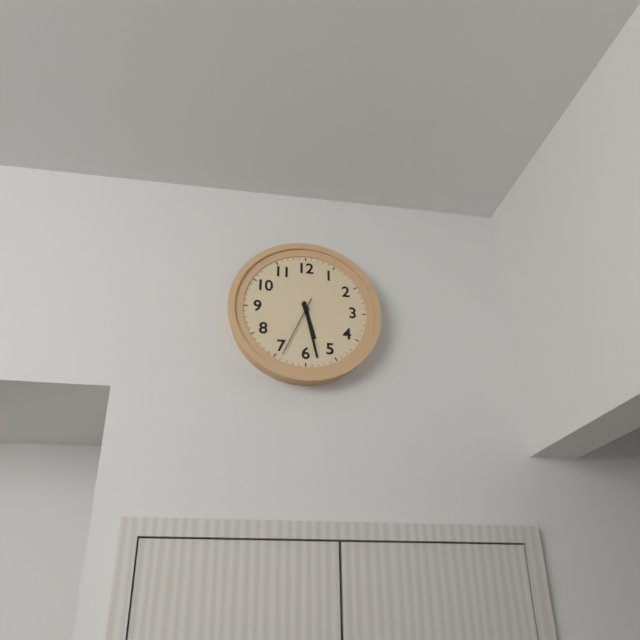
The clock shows 5h28m34s
